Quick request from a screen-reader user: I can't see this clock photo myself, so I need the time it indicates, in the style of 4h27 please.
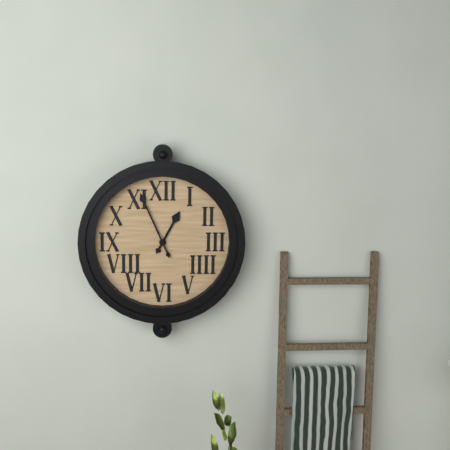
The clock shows 12h56
